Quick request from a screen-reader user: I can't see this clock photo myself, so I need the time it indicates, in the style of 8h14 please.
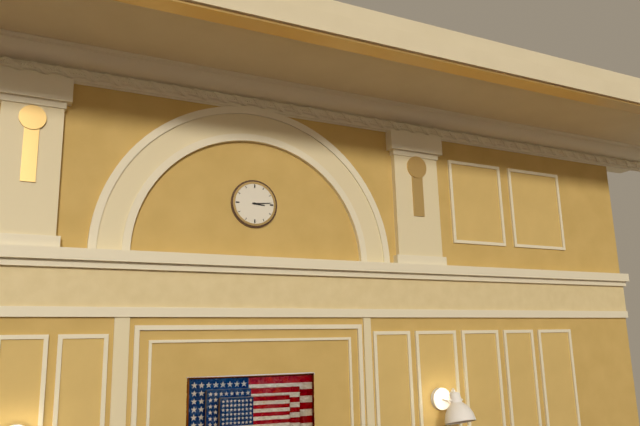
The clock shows 3h14
